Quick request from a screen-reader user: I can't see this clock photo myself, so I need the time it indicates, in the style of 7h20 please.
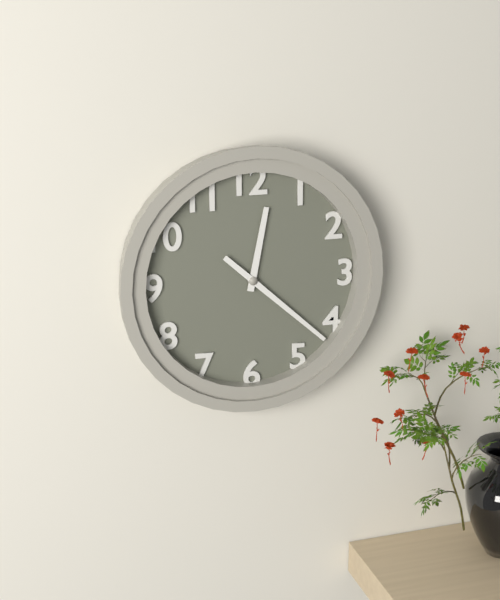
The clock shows 12h22
